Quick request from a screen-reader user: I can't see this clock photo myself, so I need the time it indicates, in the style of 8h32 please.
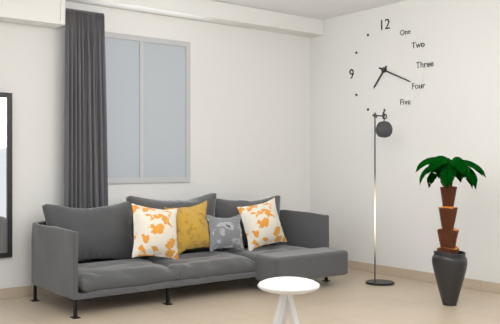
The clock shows 7h19
